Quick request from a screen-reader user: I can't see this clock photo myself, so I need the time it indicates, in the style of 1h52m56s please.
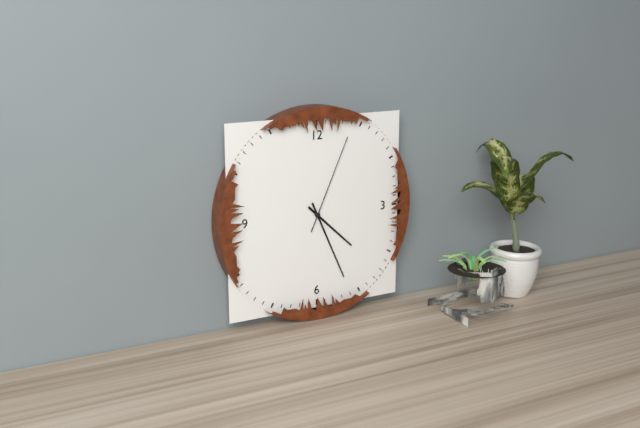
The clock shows 4h26m04s
